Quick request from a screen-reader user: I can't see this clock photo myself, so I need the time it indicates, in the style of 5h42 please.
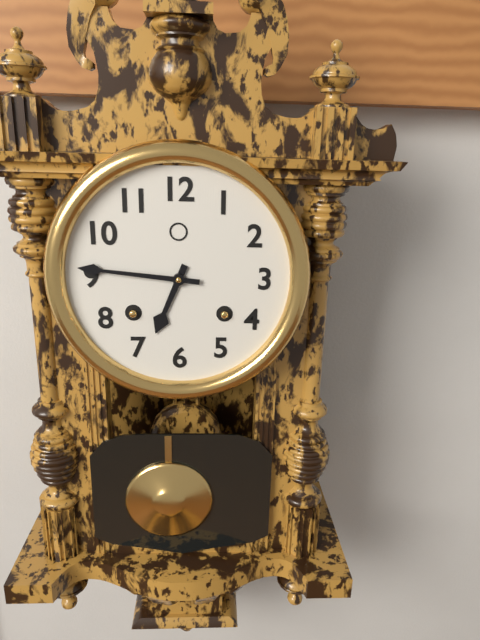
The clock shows 6h46
